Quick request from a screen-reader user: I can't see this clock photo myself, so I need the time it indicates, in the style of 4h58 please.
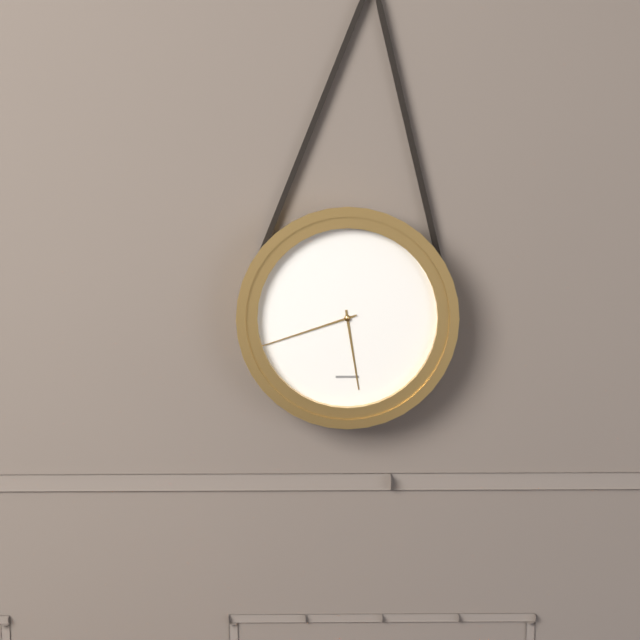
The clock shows 5h42
